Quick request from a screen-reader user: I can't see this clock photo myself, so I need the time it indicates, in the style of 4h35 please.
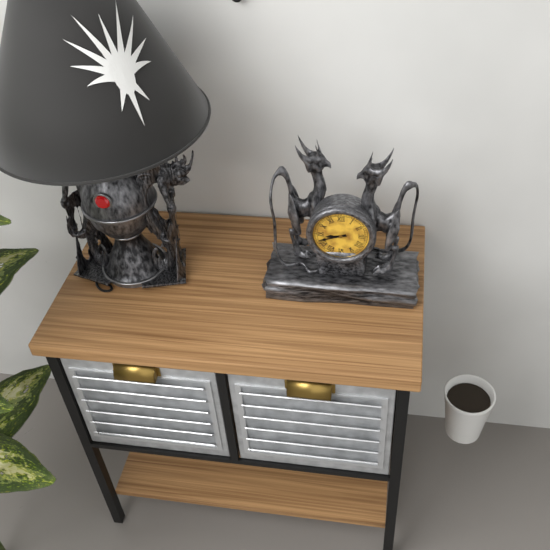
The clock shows 8h42
